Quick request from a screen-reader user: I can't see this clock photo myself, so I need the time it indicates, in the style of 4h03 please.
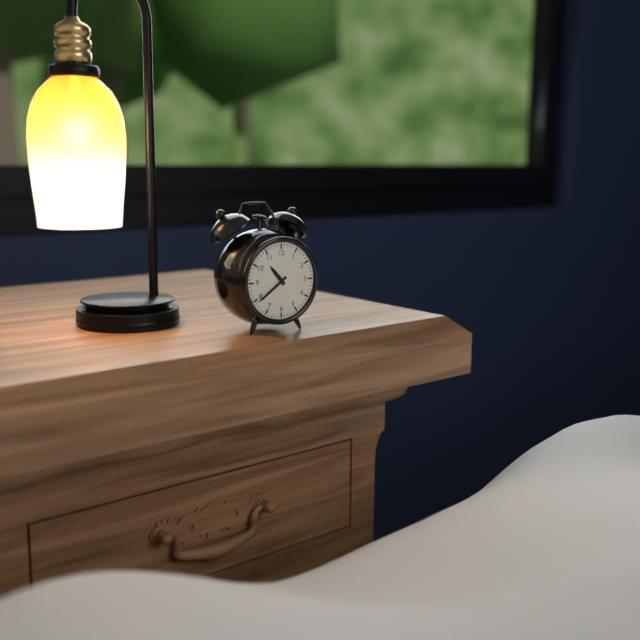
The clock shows 10h39
